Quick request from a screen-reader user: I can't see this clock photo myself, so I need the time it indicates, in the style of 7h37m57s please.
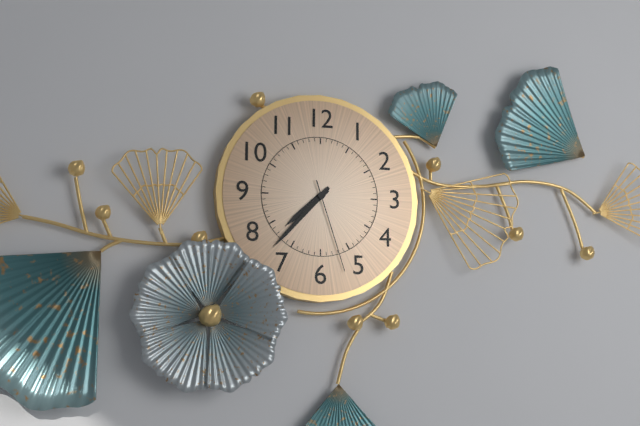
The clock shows 7h37m27s
